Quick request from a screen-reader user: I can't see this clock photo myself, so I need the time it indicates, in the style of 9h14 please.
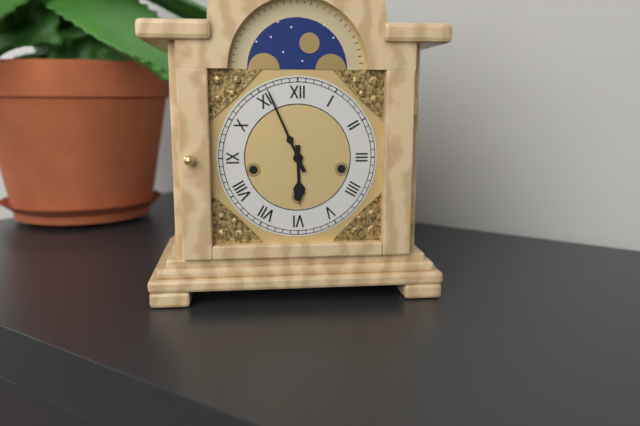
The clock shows 5h56
